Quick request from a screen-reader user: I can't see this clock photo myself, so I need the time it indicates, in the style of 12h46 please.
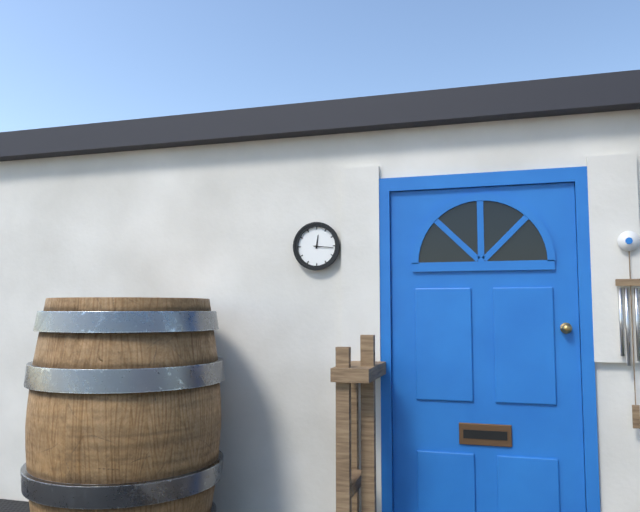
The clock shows 12h16
